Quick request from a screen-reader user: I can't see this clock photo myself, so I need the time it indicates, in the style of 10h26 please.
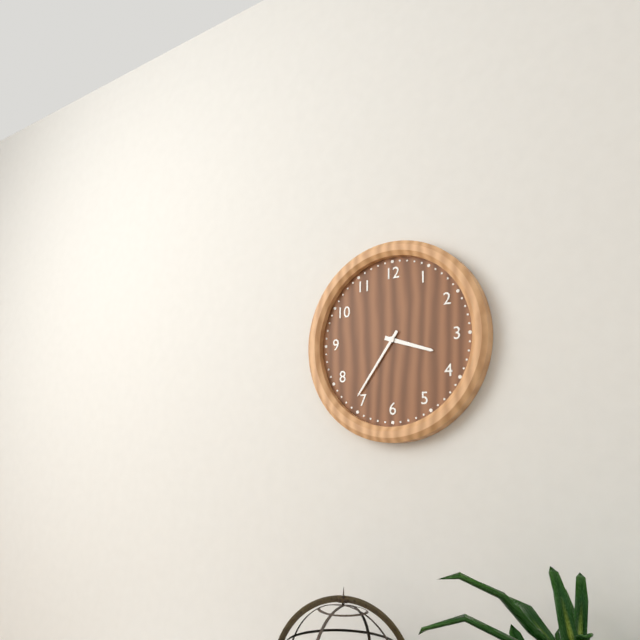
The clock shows 3h36
